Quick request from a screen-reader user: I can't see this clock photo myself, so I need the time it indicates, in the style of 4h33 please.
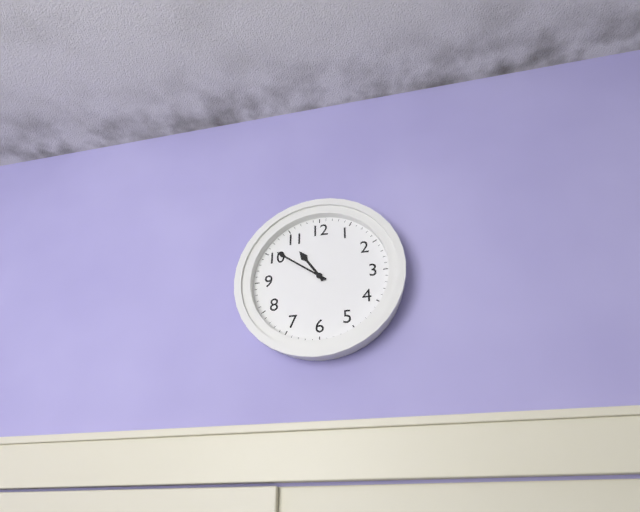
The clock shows 10h51
